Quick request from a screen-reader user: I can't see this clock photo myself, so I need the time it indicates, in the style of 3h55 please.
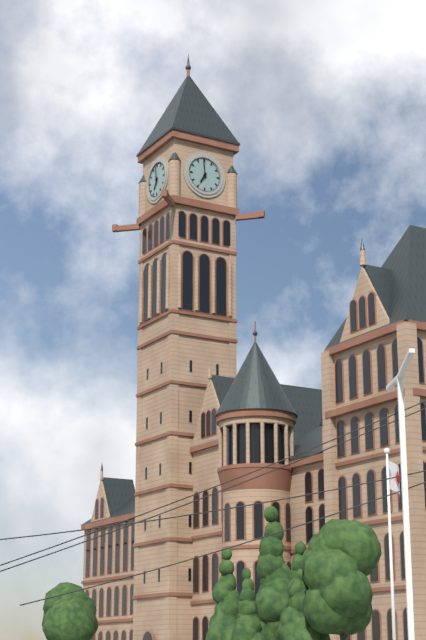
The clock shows 6h59
